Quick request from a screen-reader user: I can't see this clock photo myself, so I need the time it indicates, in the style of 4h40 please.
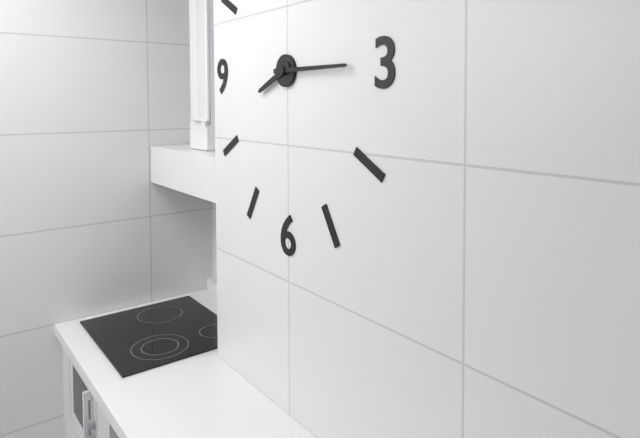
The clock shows 8h15
